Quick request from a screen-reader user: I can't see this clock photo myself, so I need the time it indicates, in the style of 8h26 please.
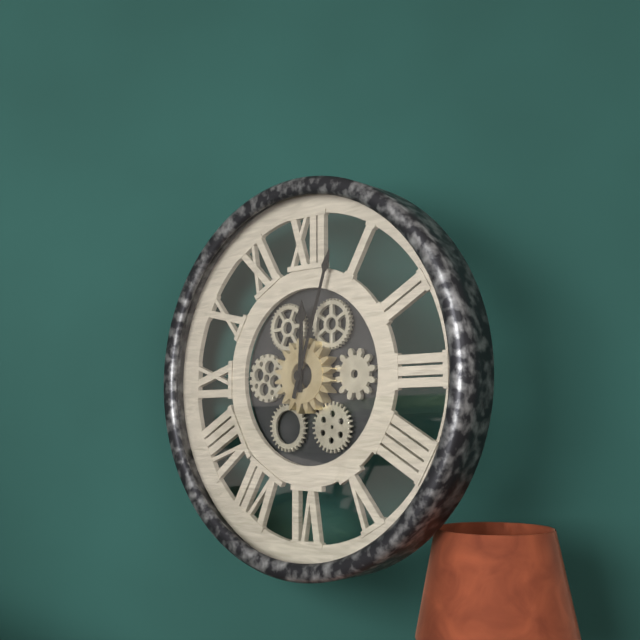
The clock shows 12h03
